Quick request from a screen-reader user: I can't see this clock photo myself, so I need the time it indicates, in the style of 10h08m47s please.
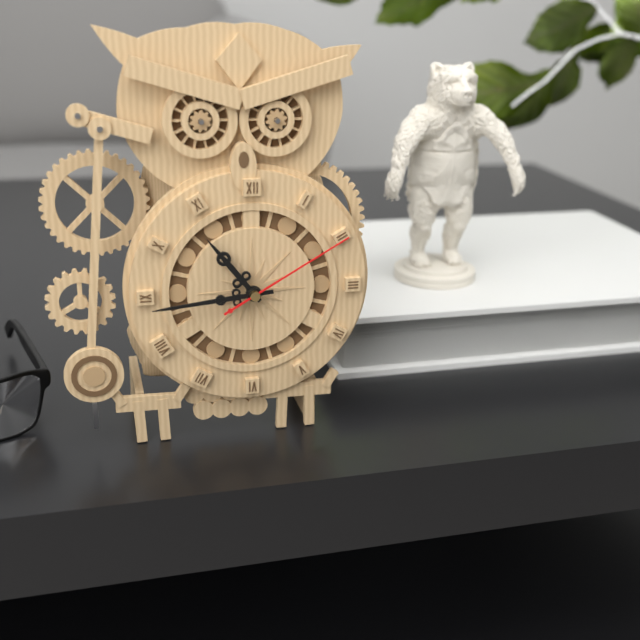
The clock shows 10h44m10s
